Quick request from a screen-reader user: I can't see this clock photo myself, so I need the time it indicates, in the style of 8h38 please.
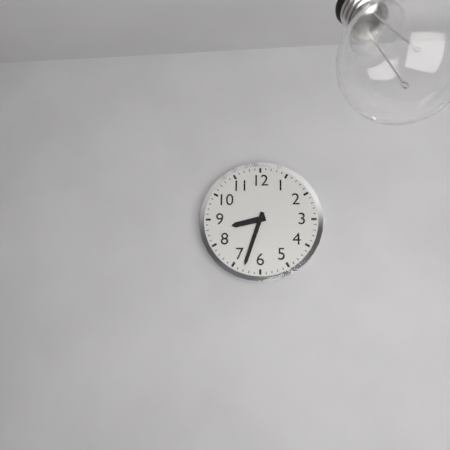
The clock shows 8h33
